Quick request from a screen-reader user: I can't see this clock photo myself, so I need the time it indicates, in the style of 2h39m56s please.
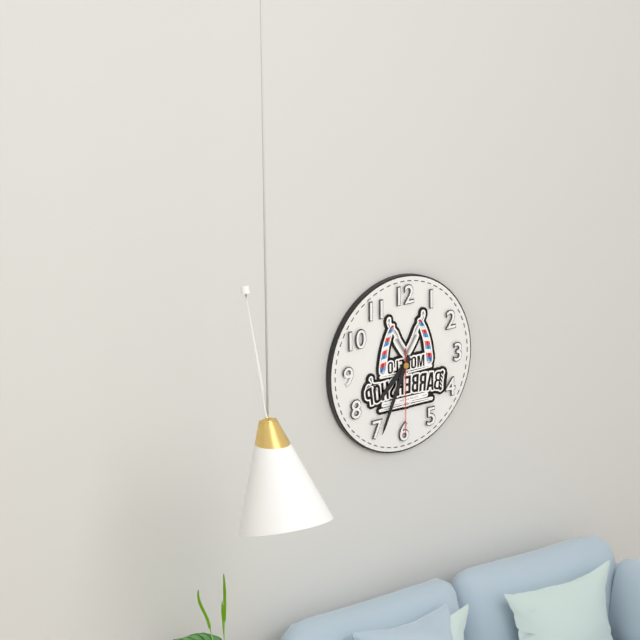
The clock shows 7h34m30s
